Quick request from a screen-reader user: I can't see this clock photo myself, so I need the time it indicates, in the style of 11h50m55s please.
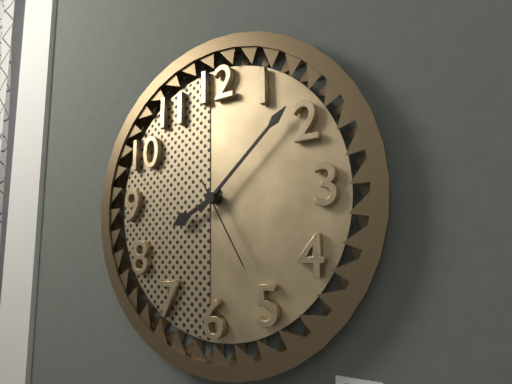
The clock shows 8h08m25s
